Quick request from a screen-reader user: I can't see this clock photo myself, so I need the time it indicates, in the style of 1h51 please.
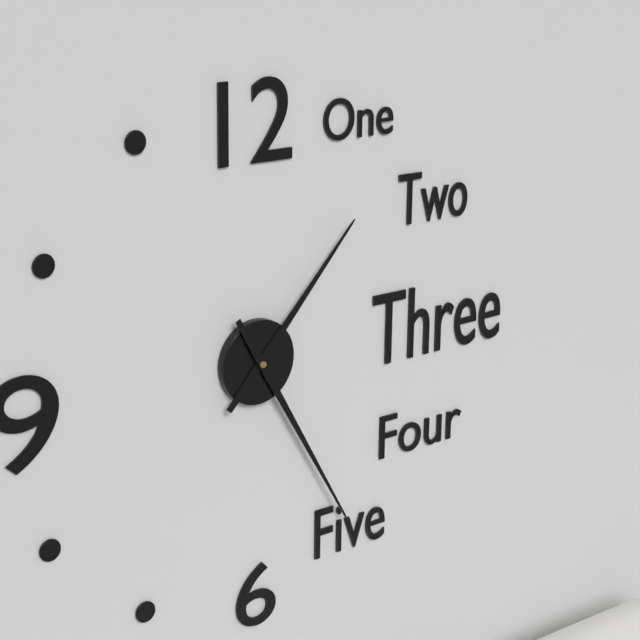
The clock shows 1h25
